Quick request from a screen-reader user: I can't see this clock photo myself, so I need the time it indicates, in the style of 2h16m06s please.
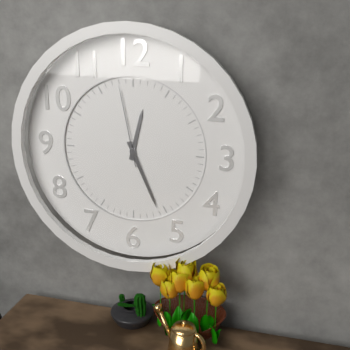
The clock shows 12h26m58s
